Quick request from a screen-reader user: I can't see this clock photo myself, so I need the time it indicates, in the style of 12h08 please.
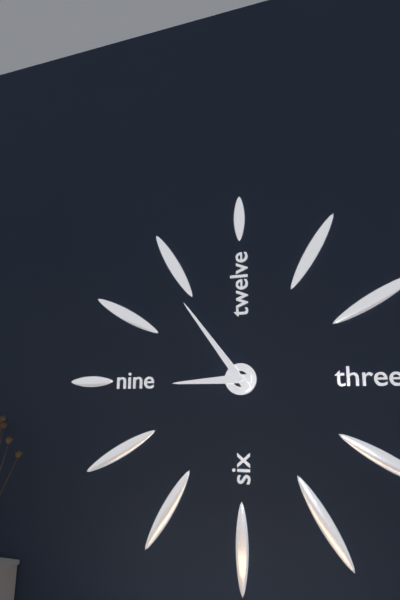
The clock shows 8h54
